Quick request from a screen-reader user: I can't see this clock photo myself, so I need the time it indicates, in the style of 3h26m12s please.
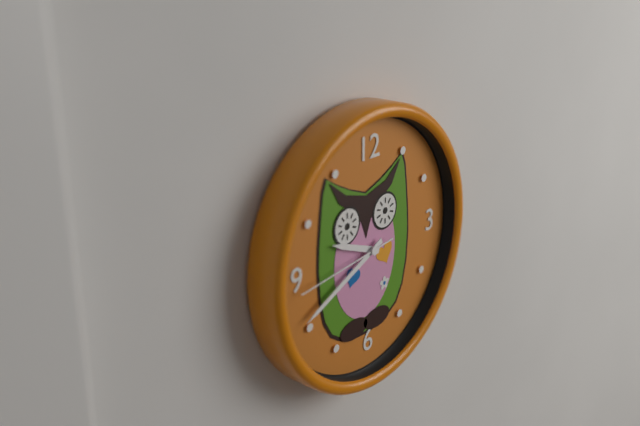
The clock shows 9h41m44s
